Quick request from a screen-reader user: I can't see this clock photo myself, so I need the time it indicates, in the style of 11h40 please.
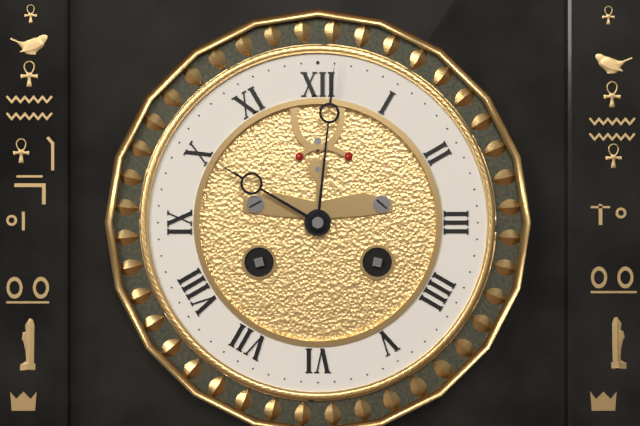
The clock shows 10h01
